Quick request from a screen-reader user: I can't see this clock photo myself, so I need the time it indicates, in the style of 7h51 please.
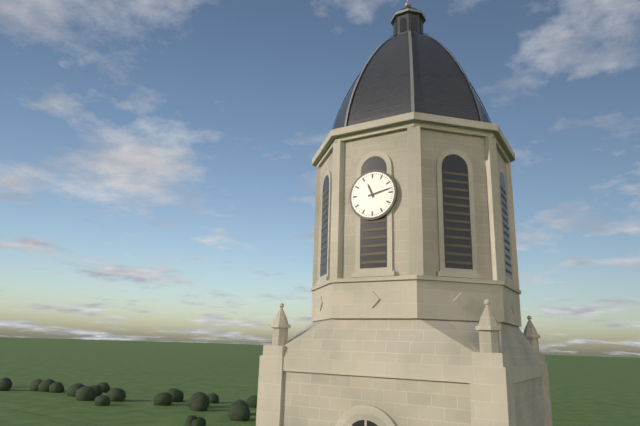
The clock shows 11h13
